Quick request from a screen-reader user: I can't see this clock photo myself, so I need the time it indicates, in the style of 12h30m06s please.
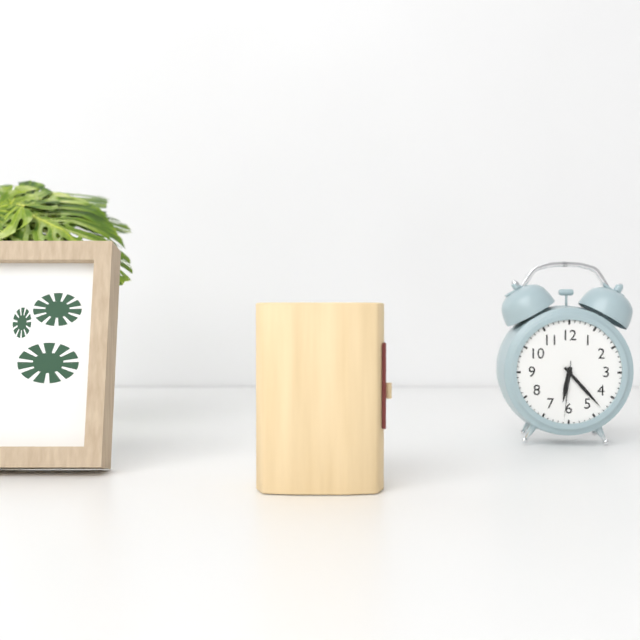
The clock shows 6h23m31s
